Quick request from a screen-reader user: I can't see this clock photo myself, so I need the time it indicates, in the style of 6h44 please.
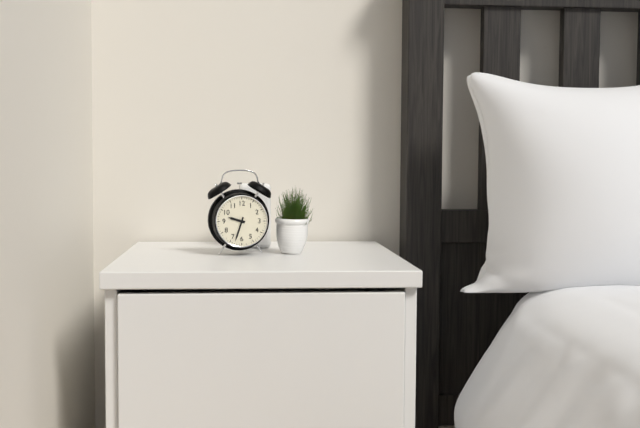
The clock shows 9h33
